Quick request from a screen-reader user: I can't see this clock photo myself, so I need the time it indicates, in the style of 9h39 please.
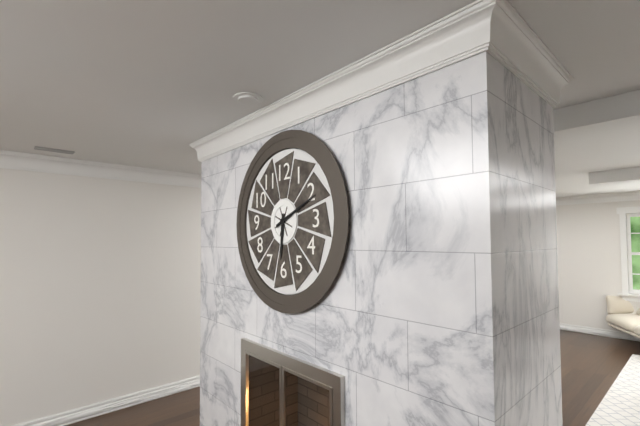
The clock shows 6h11
